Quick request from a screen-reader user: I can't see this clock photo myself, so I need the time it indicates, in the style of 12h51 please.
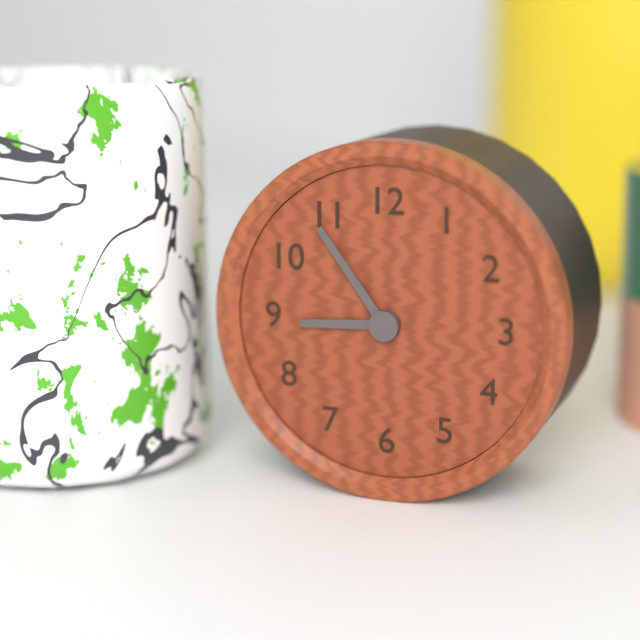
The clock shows 8h54
